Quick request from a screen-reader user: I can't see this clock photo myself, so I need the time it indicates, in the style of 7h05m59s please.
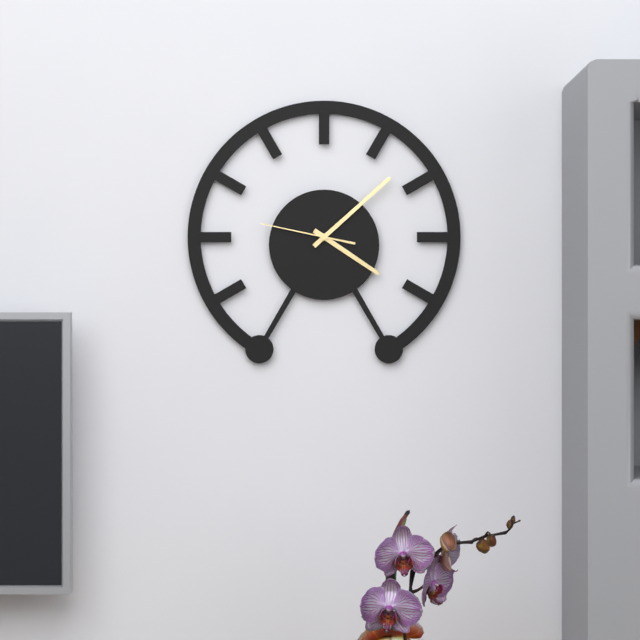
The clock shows 4h08m47s
